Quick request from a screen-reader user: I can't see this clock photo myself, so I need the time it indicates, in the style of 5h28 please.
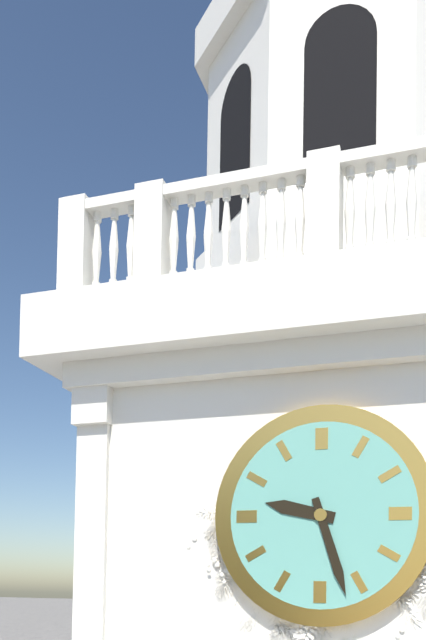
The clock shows 9h27
